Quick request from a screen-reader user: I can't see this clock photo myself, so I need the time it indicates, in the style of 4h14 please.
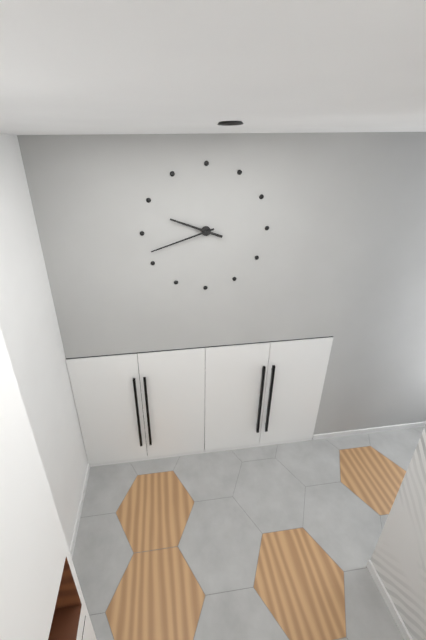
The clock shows 9h42
